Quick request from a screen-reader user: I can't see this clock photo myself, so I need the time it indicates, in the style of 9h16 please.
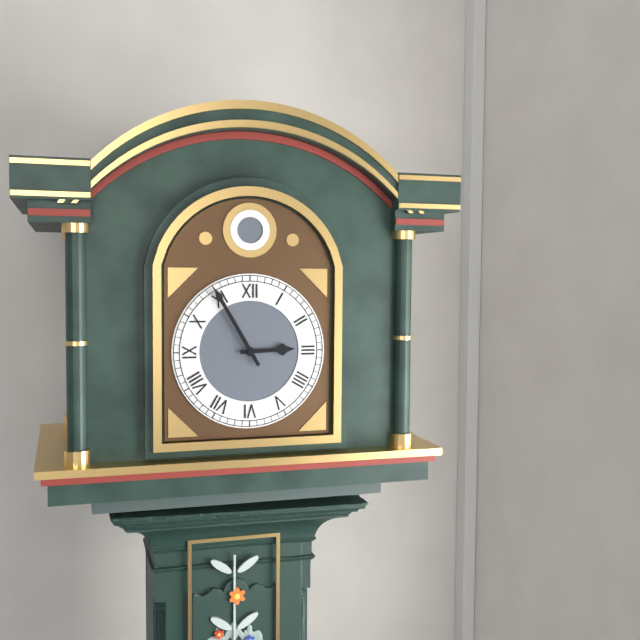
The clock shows 2h55
